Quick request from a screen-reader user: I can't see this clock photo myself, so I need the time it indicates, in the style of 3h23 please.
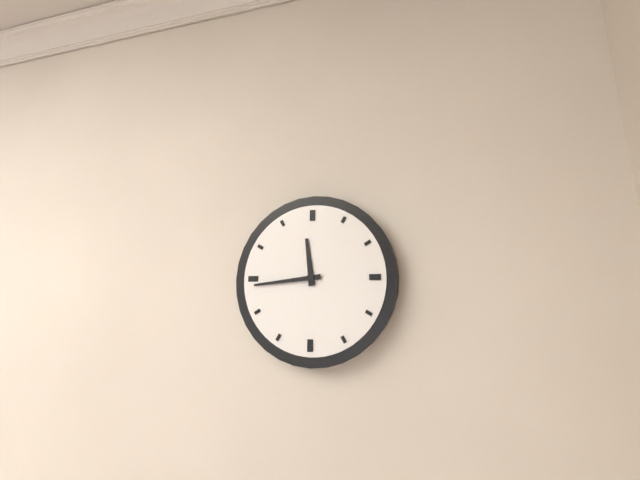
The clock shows 11h44
